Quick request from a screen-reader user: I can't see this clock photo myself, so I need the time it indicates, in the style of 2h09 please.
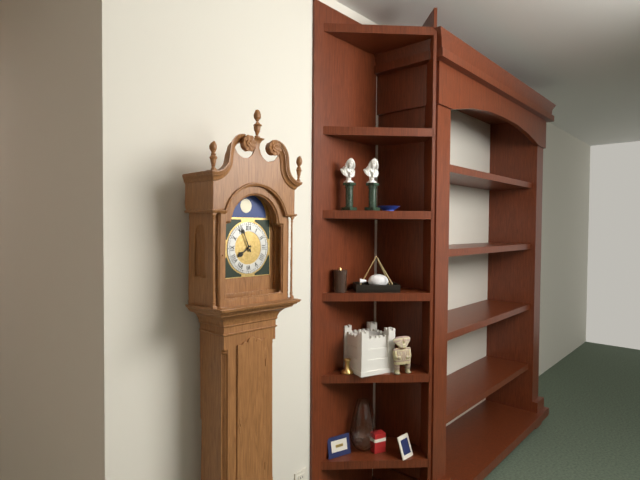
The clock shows 7h56
